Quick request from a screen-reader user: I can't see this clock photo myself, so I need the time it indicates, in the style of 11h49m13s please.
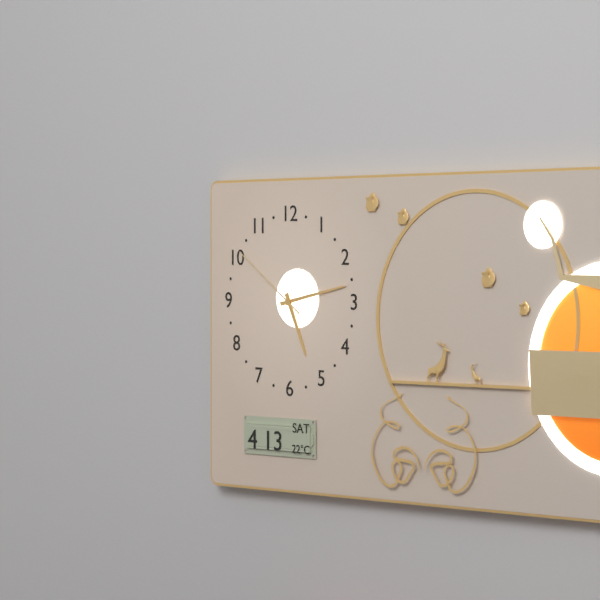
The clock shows 5h13m51s
